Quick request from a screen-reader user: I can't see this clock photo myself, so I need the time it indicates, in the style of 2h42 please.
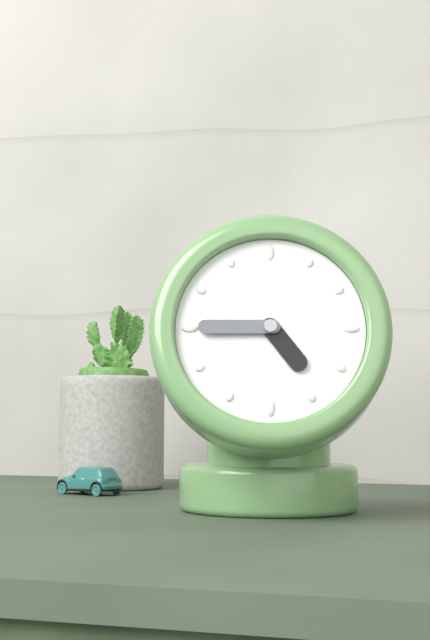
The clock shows 4h45
